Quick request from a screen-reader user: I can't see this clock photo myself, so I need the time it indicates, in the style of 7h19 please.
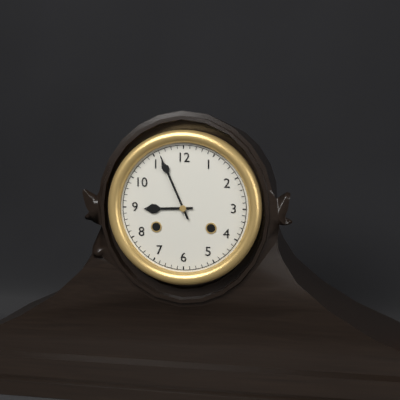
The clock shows 8h56
